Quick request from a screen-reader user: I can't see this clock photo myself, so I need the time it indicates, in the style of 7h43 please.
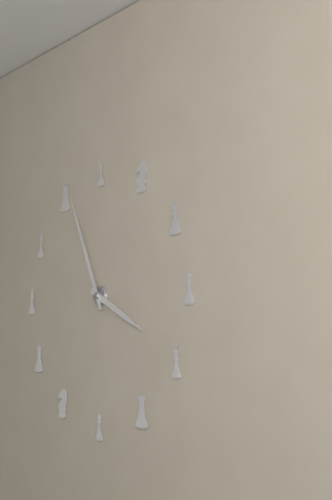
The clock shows 3h56
